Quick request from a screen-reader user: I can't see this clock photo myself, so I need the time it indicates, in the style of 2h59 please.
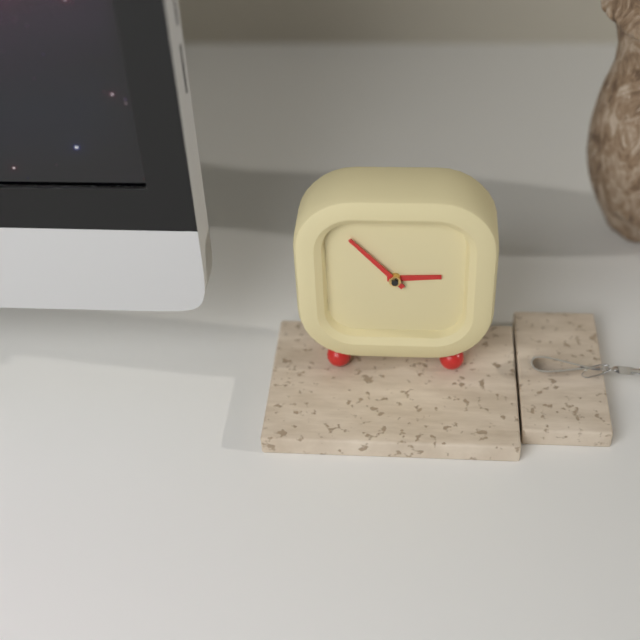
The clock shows 2h53
